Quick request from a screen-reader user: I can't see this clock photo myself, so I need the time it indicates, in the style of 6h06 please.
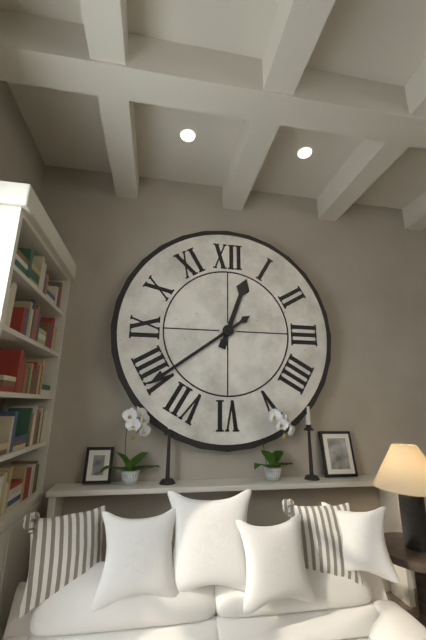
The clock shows 12h39
